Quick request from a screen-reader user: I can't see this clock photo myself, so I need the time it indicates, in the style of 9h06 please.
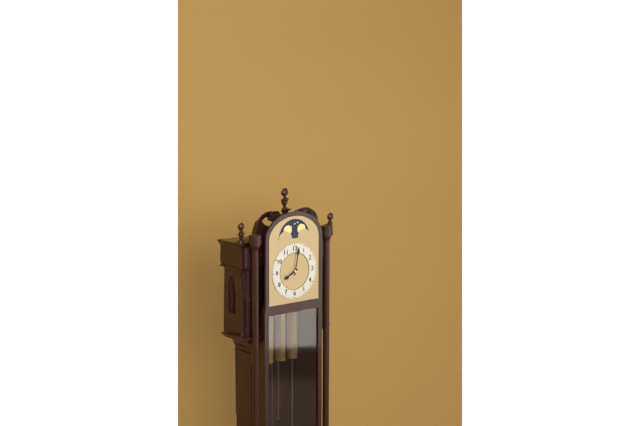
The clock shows 8h02
